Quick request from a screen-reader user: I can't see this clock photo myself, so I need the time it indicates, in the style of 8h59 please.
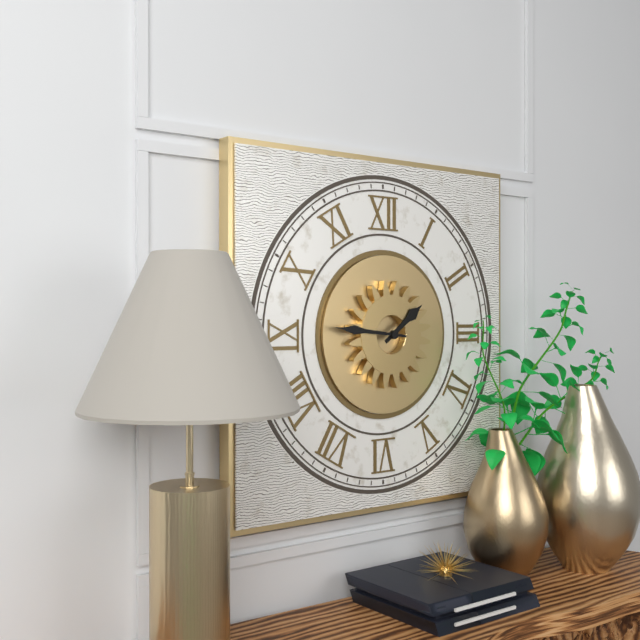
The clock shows 1h46
